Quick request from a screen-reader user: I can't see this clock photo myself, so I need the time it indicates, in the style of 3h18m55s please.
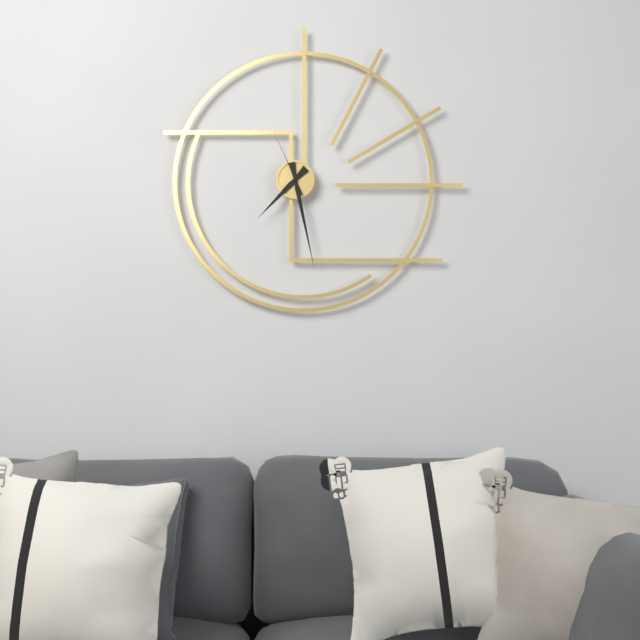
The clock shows 7h28m56s
